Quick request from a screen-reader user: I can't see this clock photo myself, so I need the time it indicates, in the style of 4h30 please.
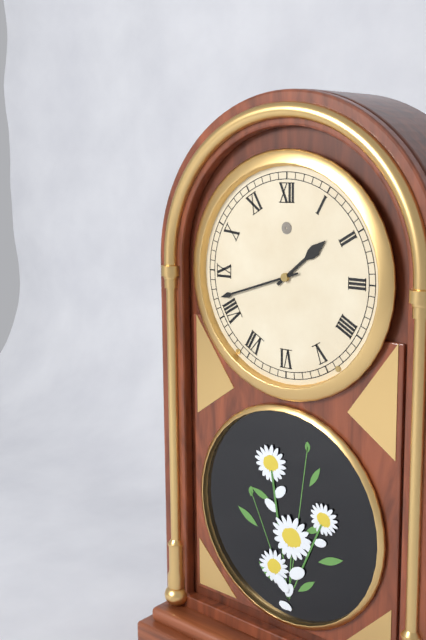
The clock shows 1h42
